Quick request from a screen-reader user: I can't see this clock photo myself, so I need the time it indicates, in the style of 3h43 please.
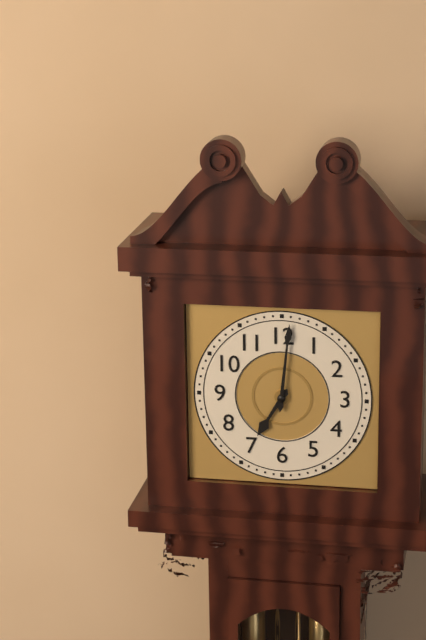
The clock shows 7h01
